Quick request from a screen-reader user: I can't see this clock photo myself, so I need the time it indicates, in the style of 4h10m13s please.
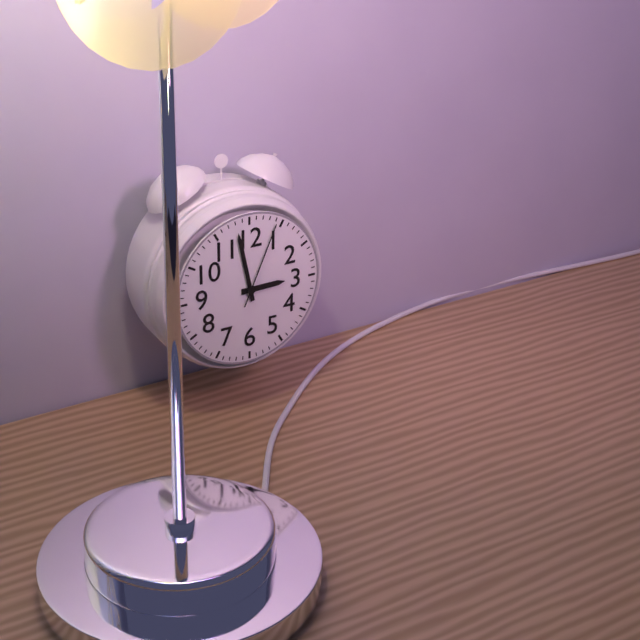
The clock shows 2h58m04s
